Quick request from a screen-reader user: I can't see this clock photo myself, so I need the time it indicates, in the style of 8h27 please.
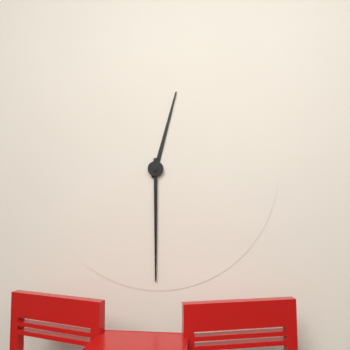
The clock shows 12h30
